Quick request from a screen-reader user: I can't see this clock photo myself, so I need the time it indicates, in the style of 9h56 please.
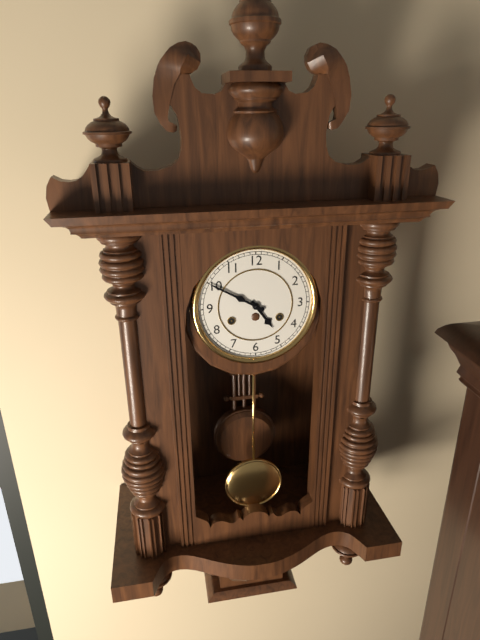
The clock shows 4h50
